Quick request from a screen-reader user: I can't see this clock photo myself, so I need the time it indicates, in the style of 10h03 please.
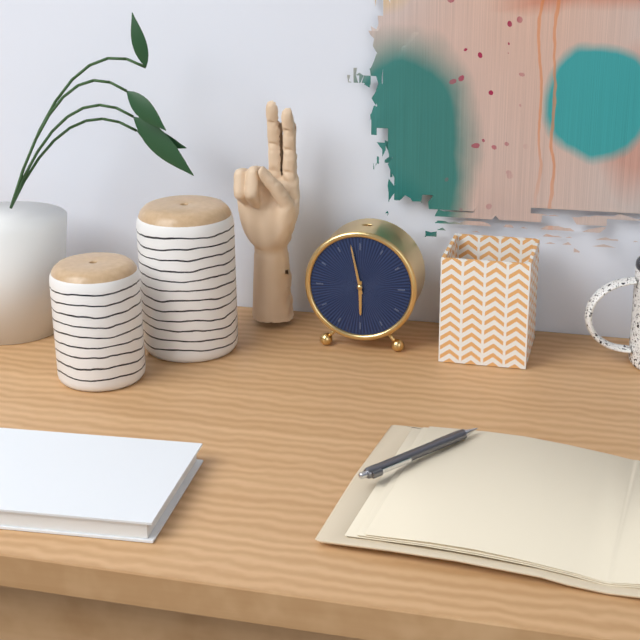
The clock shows 5h58
